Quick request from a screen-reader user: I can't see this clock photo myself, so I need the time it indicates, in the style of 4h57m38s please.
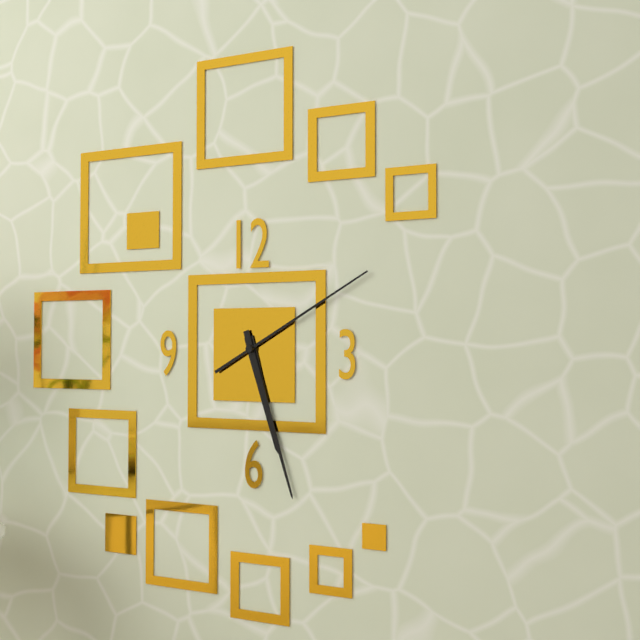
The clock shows 5h27m10s
